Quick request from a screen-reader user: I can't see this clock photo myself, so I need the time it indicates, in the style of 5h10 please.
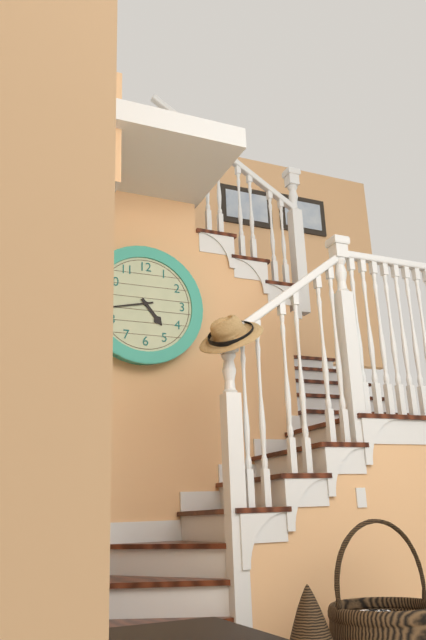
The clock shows 4h43
